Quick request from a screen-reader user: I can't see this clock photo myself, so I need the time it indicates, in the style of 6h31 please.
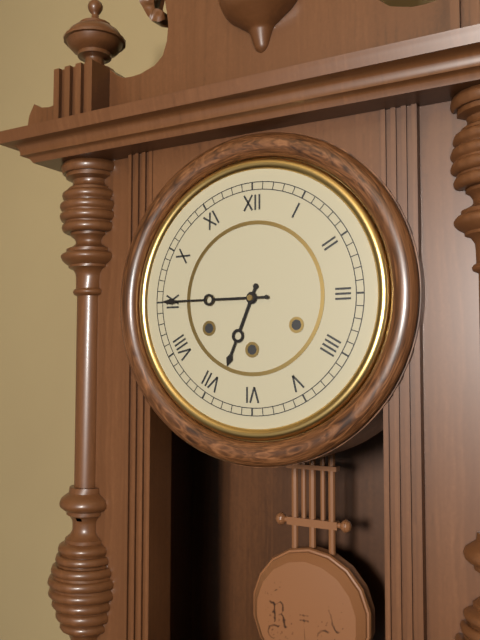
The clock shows 6h45
